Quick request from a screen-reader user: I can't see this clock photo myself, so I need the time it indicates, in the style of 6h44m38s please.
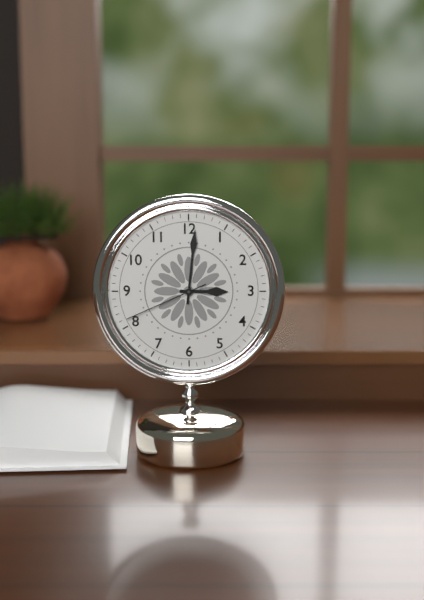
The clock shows 3h01m41s
